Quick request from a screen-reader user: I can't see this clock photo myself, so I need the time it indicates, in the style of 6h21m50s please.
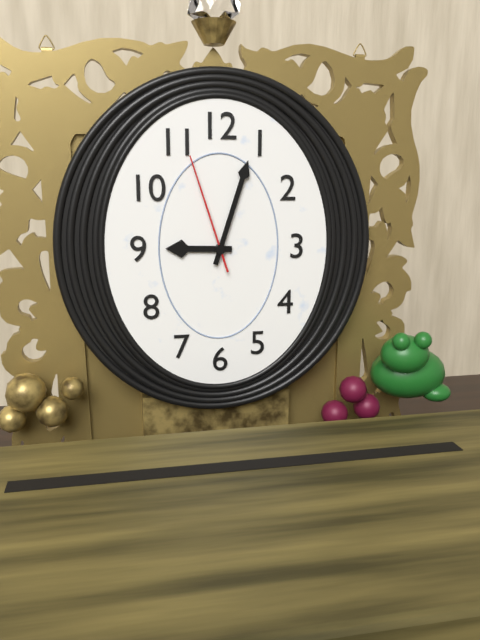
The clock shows 9h03m57s
